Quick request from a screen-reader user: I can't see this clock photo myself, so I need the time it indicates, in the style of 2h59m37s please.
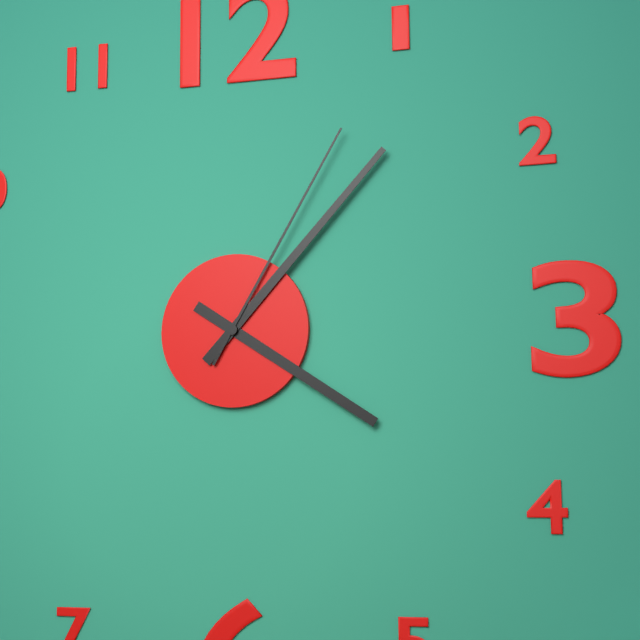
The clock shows 4h07m05s
